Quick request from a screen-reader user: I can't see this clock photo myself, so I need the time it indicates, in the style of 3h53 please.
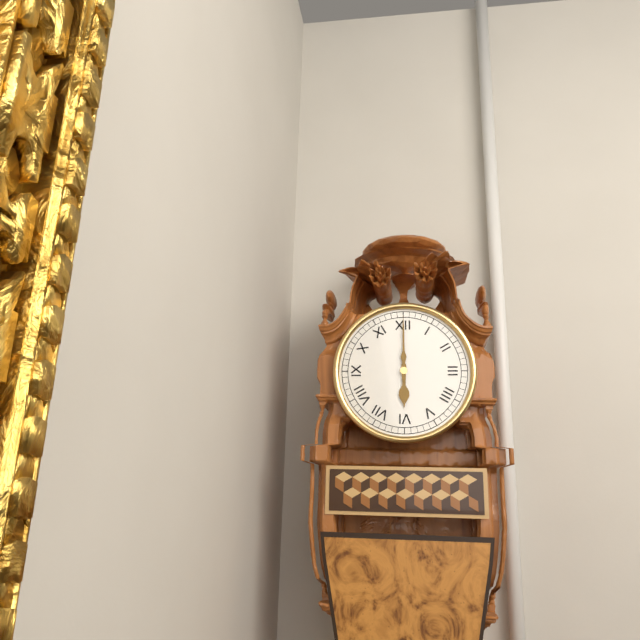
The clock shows 6h00
